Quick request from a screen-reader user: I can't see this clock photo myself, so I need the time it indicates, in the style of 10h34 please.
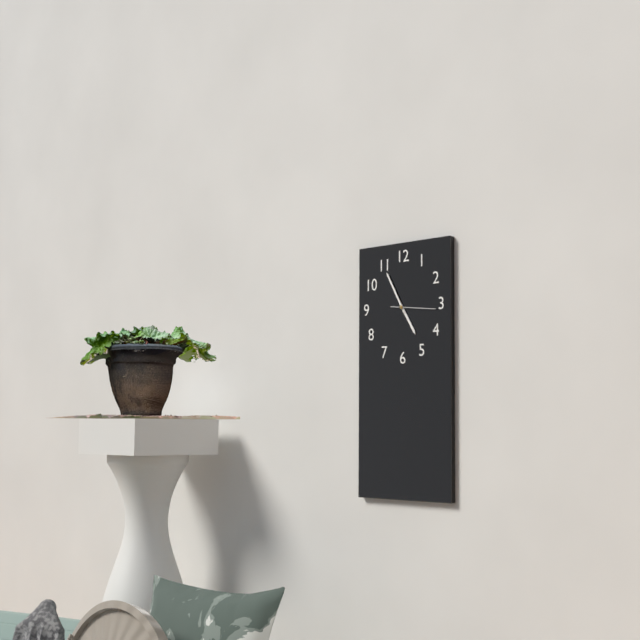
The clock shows 4h55
